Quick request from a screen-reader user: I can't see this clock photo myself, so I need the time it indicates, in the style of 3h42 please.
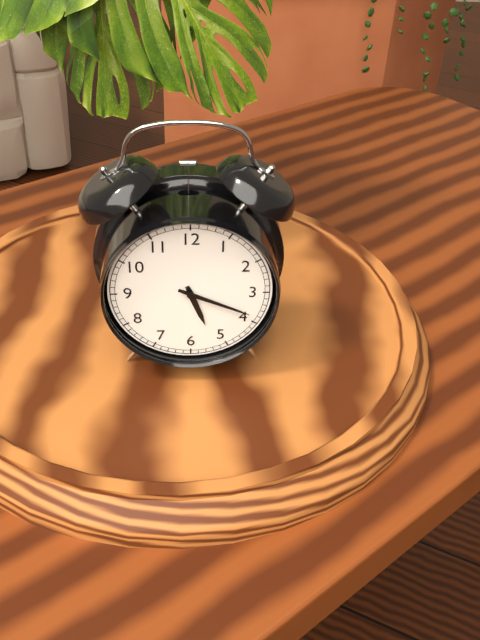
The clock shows 5h19
